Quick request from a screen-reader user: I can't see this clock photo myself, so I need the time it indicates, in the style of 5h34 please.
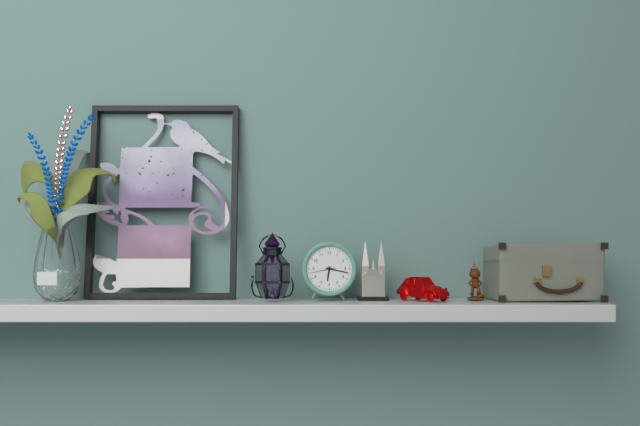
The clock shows 6h17
